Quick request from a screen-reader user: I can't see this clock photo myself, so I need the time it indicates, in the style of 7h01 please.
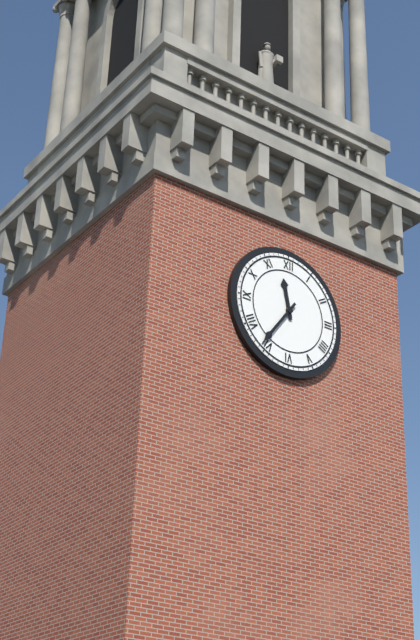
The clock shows 11h36
